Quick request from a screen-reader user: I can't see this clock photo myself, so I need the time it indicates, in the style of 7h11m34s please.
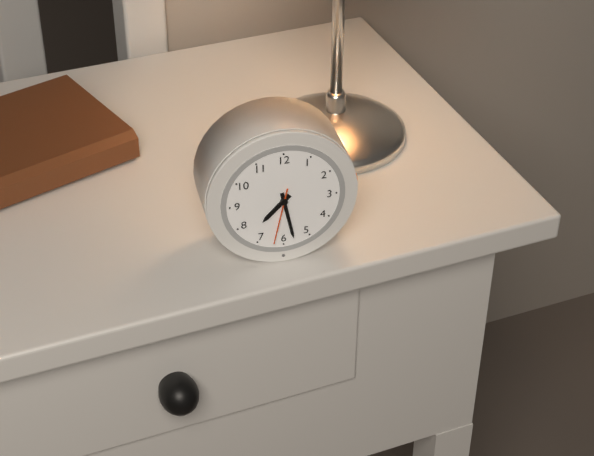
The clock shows 7h28m32s
